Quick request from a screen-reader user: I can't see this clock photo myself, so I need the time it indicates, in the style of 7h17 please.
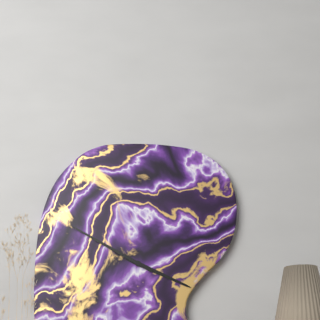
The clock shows 3h50
